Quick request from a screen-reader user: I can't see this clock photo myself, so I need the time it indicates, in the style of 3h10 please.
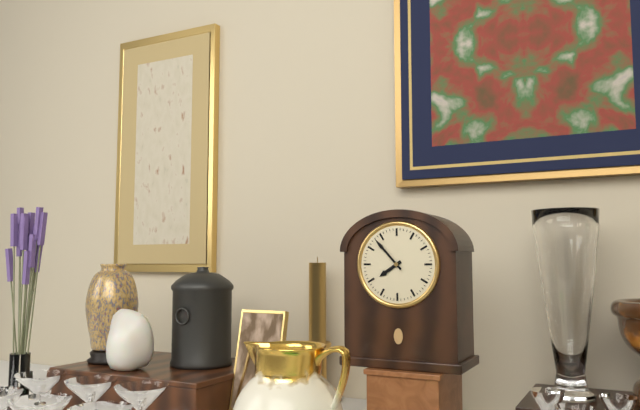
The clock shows 7h53
